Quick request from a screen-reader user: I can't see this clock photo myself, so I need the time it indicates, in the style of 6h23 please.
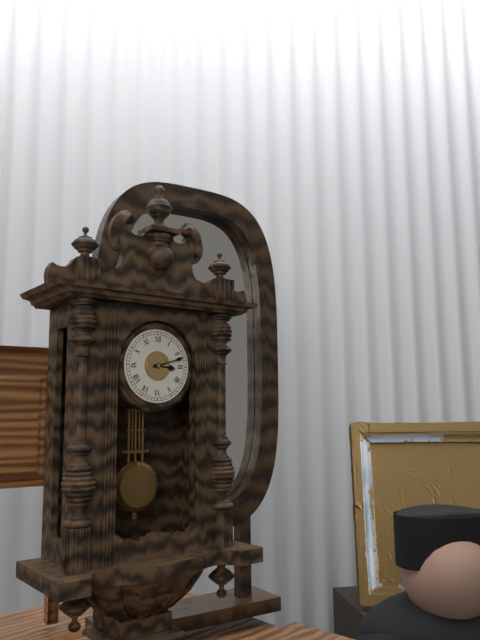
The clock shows 3h12
